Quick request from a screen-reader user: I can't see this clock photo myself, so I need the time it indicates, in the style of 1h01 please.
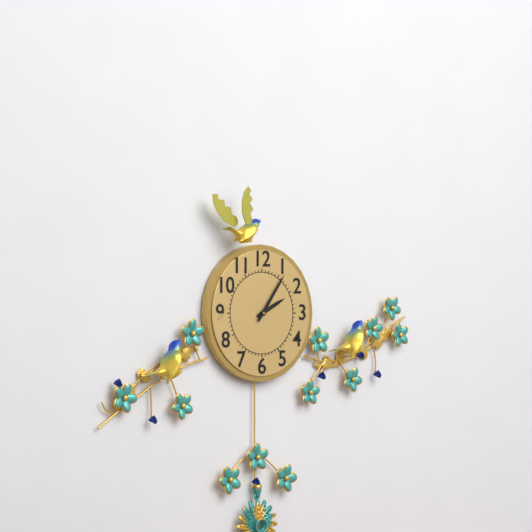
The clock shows 2h06
